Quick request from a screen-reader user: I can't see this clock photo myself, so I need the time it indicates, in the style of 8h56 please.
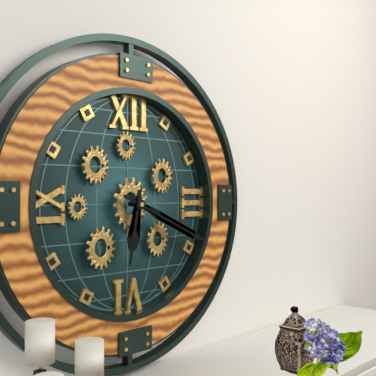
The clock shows 6h19
